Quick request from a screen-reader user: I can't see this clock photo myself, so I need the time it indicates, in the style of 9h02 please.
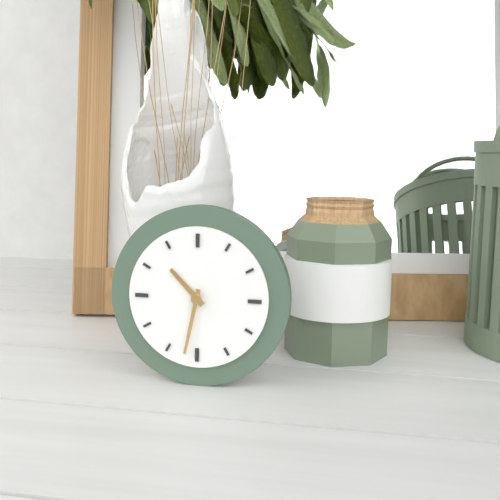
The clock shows 10h32
